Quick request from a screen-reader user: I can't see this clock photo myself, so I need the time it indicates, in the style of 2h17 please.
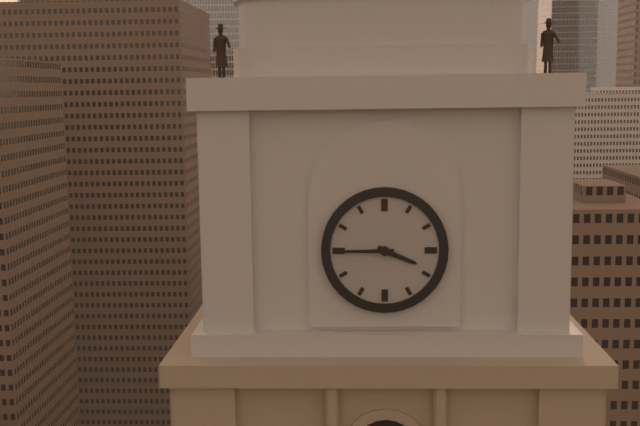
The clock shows 3h45
